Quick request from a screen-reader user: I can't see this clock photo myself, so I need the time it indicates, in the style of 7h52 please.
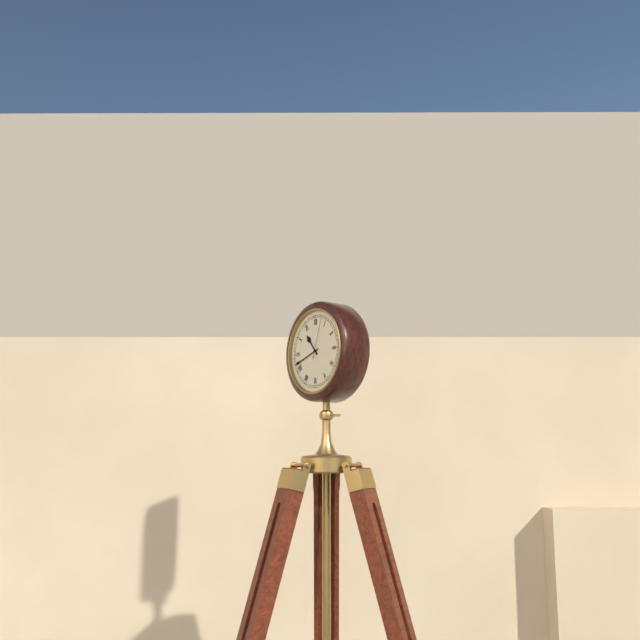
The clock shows 10h42
